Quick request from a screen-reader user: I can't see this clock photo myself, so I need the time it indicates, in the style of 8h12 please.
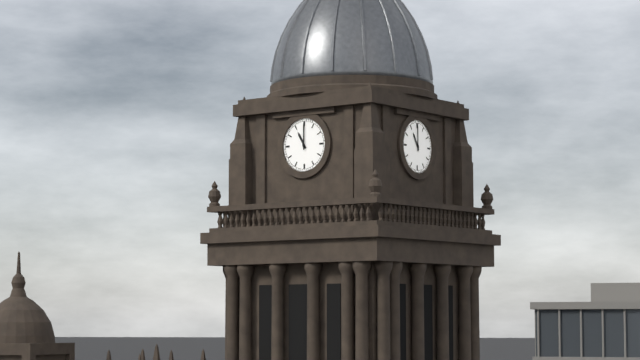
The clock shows 11h00
